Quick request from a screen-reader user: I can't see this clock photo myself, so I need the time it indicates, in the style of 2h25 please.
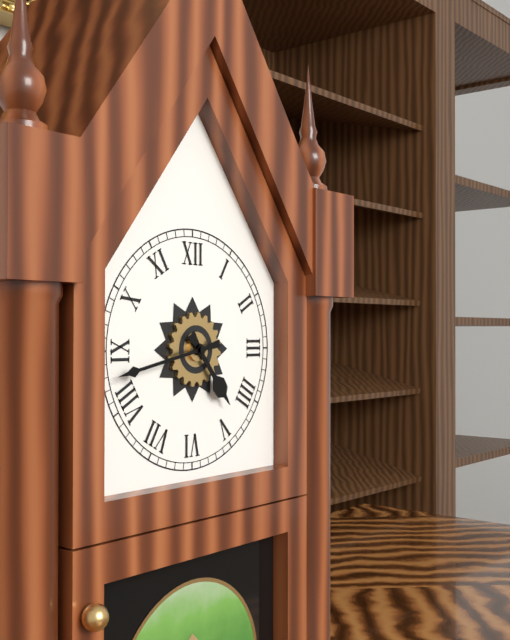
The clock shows 4h43
